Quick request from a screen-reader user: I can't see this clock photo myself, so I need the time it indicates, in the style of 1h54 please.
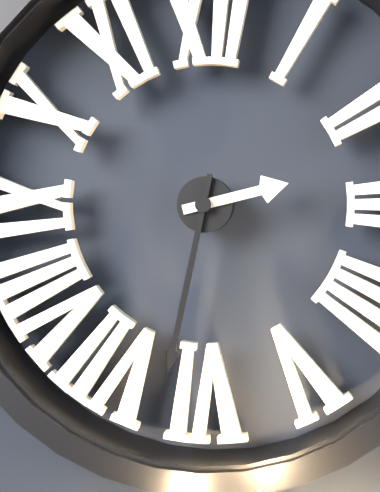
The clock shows 2h32
